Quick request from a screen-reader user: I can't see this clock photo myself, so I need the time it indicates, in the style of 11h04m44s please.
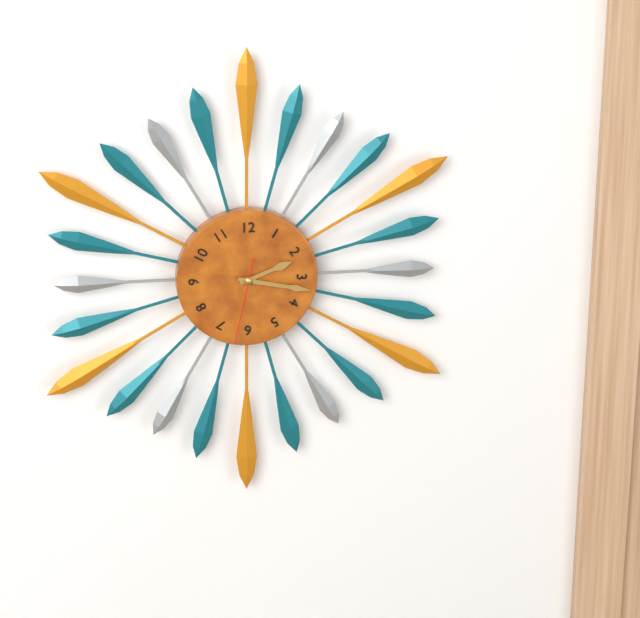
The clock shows 2h17m32s
